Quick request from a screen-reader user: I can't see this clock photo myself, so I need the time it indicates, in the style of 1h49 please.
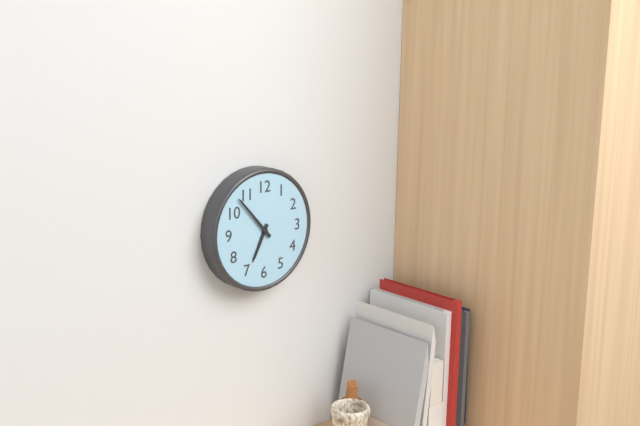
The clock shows 6h53
